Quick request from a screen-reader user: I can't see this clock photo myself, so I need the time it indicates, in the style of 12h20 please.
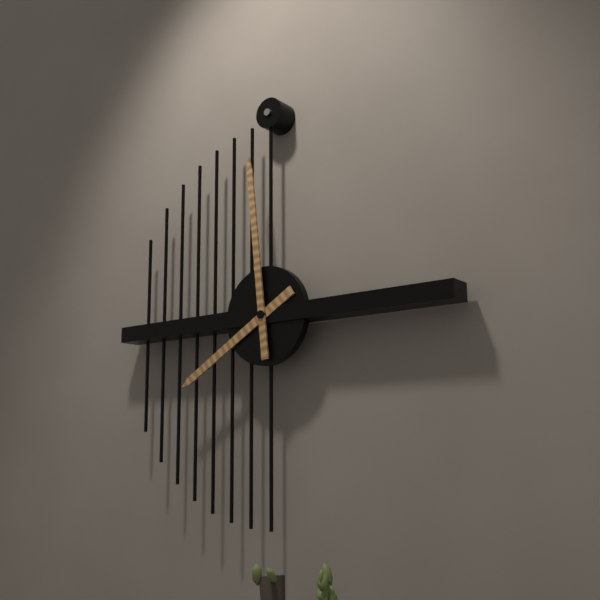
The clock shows 7h59
